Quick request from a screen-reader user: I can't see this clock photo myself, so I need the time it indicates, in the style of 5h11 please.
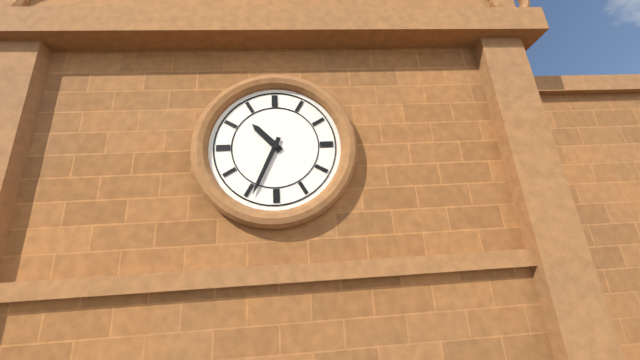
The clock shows 10h34
